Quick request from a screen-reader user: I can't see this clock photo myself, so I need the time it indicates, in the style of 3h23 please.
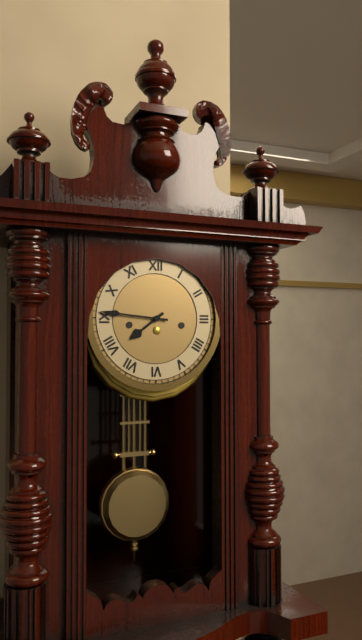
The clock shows 7h46
